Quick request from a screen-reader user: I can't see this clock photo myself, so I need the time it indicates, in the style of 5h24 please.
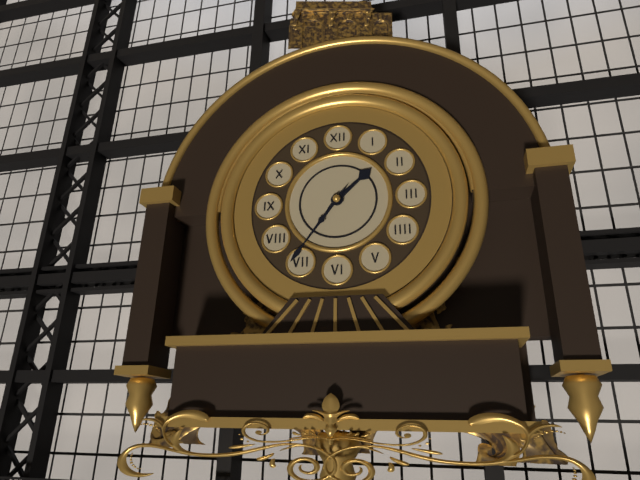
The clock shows 1h36
